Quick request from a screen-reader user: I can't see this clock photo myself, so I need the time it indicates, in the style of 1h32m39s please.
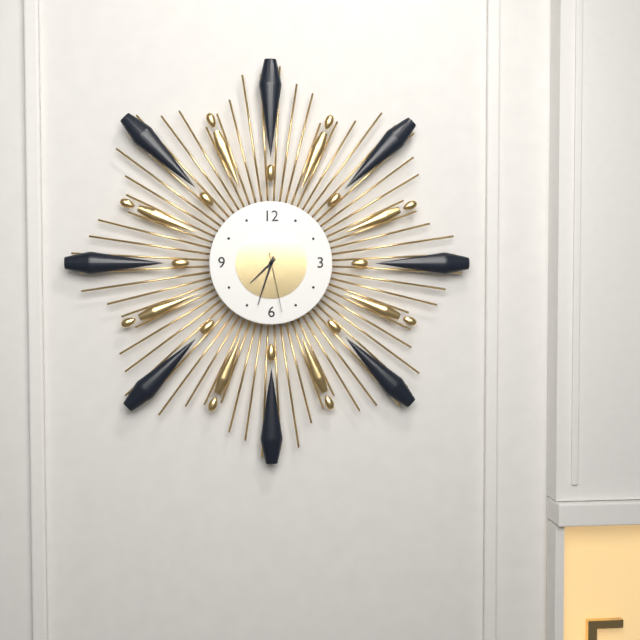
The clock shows 7h33m28s
